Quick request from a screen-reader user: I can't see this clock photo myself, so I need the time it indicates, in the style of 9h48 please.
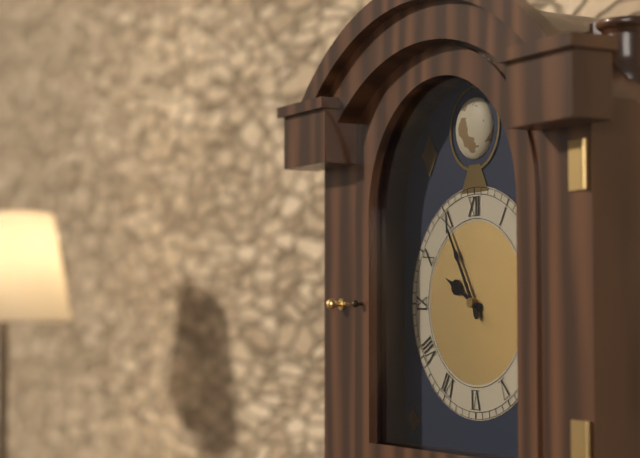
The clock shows 9h55
